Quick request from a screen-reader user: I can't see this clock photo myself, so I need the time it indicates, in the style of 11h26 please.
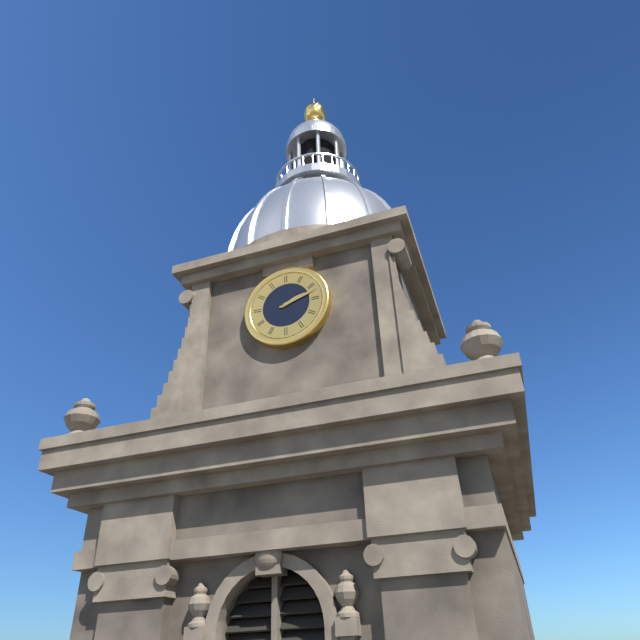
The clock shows 2h12
